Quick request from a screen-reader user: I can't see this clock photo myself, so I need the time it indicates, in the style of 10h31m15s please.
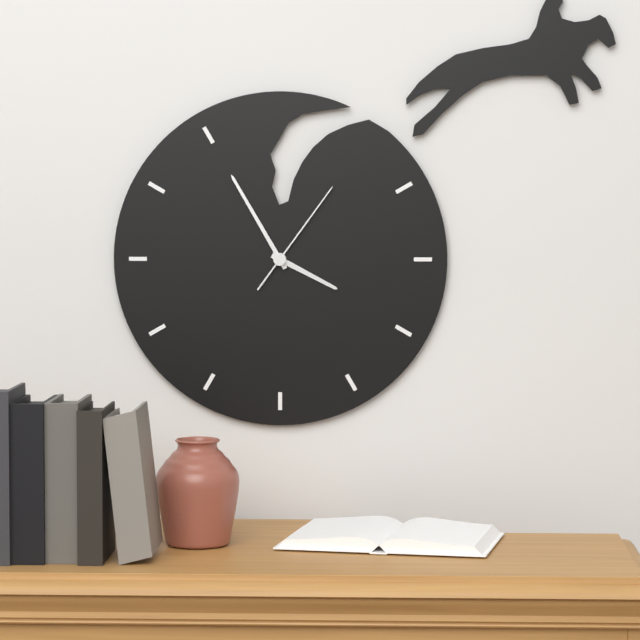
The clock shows 3h55m06s
